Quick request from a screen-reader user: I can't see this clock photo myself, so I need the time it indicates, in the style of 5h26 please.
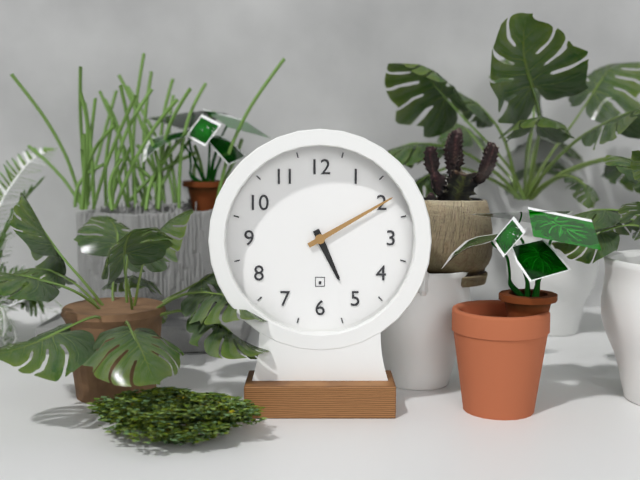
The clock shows 5h10
